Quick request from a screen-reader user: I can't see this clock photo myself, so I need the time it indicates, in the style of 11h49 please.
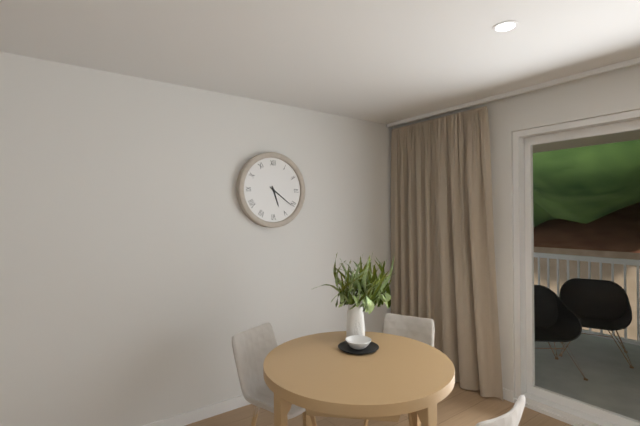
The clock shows 5h21
